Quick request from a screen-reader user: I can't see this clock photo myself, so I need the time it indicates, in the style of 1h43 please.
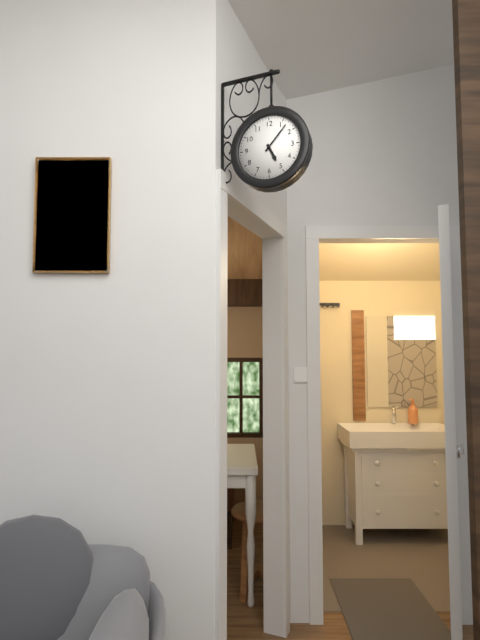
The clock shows 5h07
